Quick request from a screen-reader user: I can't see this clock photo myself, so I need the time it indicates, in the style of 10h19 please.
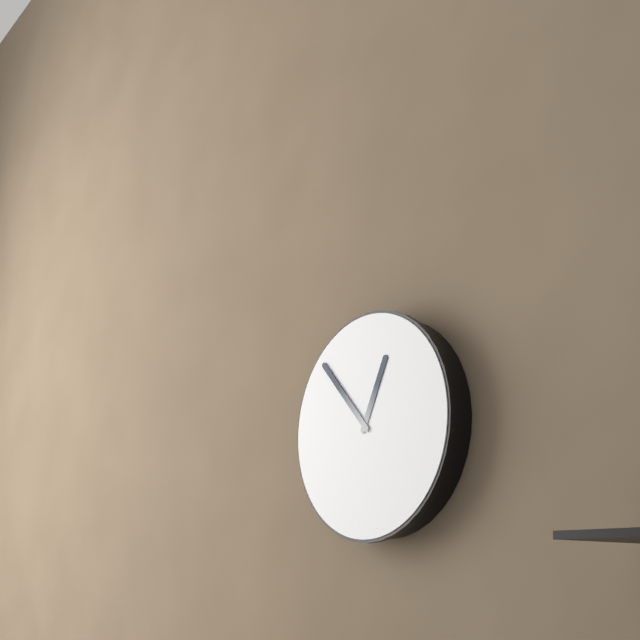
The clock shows 12h53
